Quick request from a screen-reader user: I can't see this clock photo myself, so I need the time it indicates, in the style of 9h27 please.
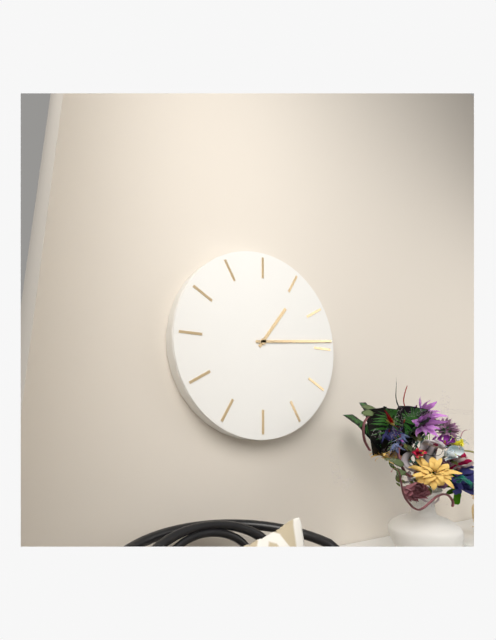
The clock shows 1h14
